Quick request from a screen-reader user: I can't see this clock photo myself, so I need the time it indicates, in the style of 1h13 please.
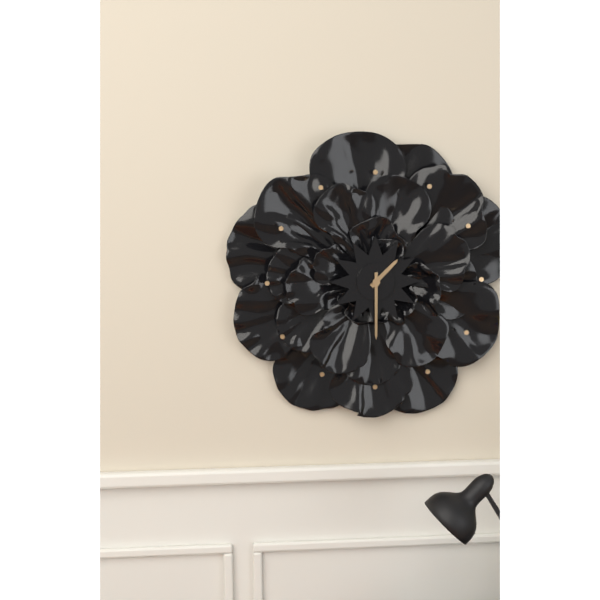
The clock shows 1h30
